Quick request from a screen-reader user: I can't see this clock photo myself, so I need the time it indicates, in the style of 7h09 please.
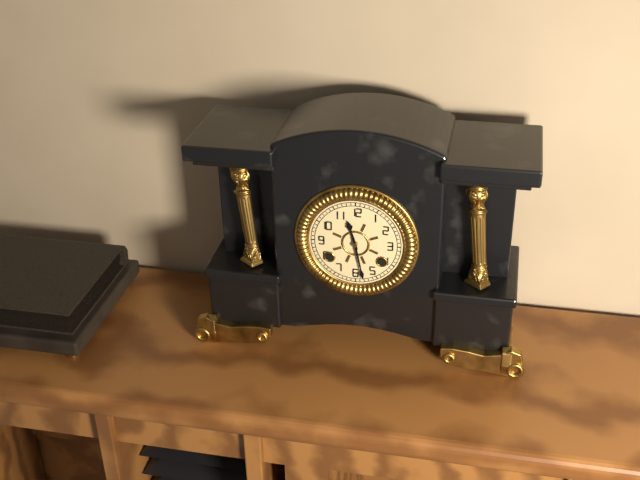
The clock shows 11h28
